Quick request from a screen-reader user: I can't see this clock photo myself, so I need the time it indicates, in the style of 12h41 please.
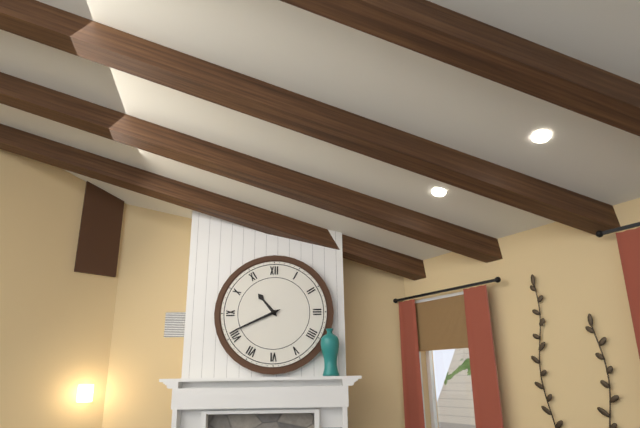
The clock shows 10h41
